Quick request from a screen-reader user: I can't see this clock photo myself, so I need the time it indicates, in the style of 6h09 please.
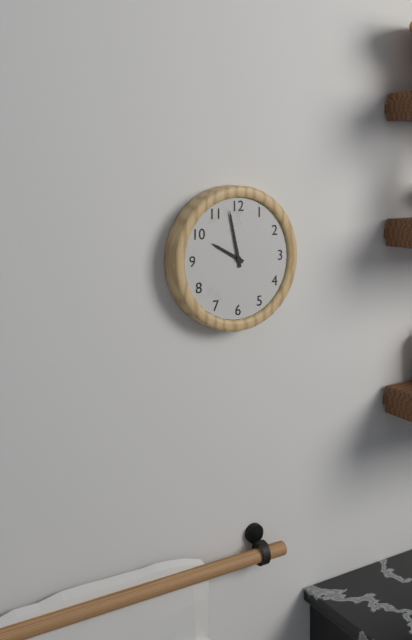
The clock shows 9h58
